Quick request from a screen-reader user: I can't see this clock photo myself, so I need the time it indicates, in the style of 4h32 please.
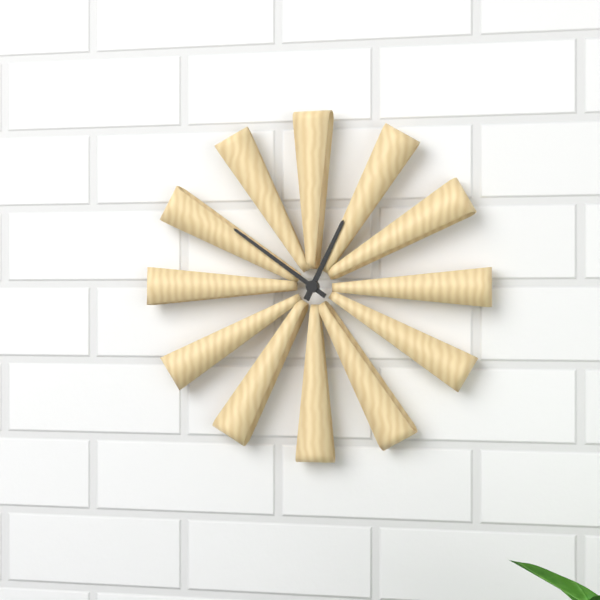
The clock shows 12h51
